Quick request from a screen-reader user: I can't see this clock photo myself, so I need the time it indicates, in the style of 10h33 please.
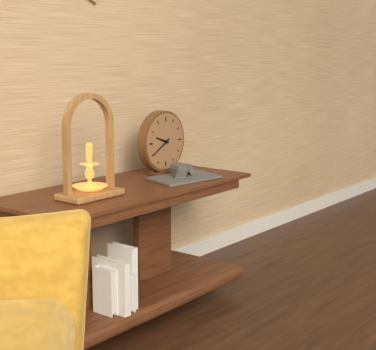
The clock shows 9h40
